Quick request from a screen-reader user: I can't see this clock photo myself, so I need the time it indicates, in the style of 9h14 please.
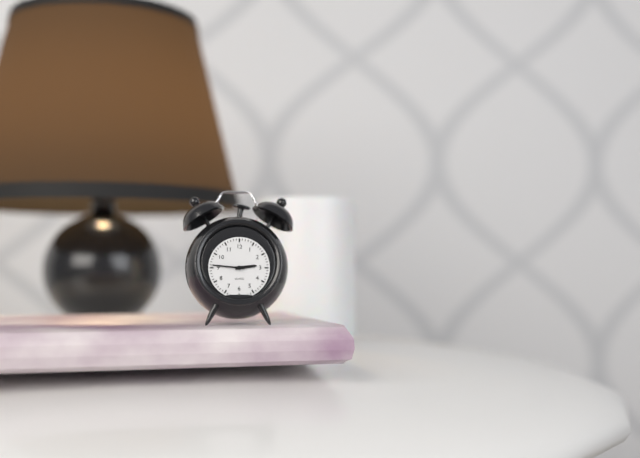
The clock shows 2h46
